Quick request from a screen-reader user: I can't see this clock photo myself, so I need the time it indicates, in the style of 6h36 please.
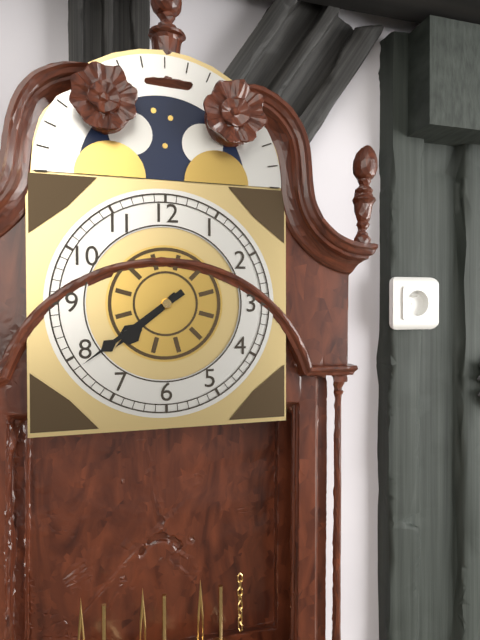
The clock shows 7h39
